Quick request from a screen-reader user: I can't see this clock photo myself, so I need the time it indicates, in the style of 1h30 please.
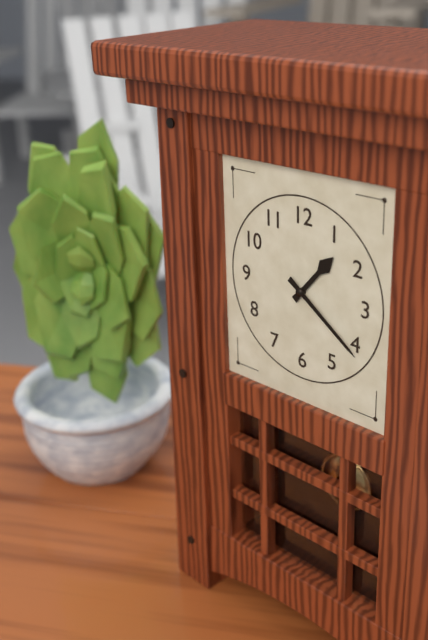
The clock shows 1h21
